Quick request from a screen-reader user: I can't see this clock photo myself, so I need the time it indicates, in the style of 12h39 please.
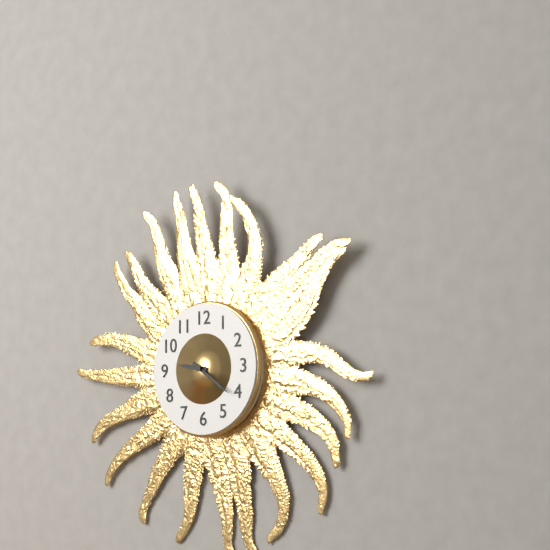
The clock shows 9h21
